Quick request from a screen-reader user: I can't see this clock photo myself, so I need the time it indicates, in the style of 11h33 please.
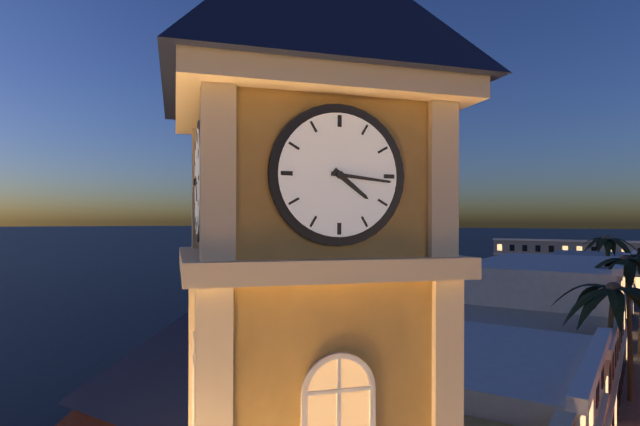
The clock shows 4h16
